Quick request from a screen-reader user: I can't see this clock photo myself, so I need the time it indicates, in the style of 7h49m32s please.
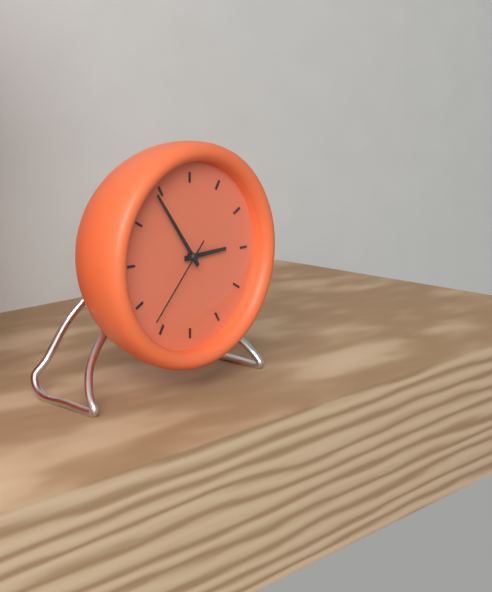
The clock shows 2h54m37s
